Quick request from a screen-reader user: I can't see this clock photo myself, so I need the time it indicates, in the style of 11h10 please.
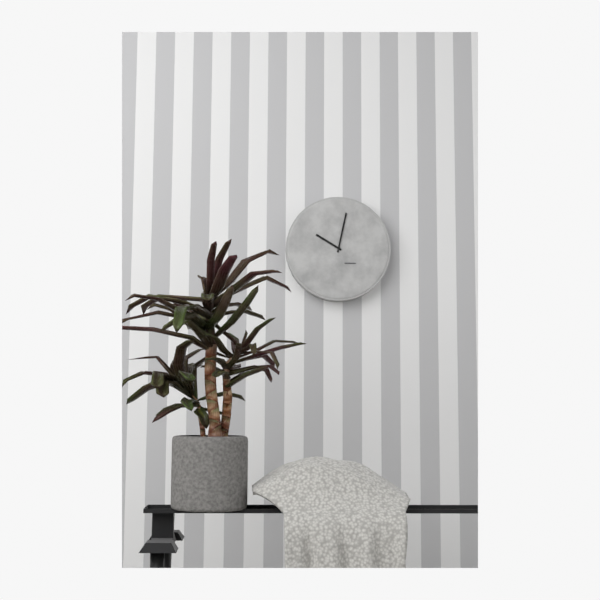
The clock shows 10h02
